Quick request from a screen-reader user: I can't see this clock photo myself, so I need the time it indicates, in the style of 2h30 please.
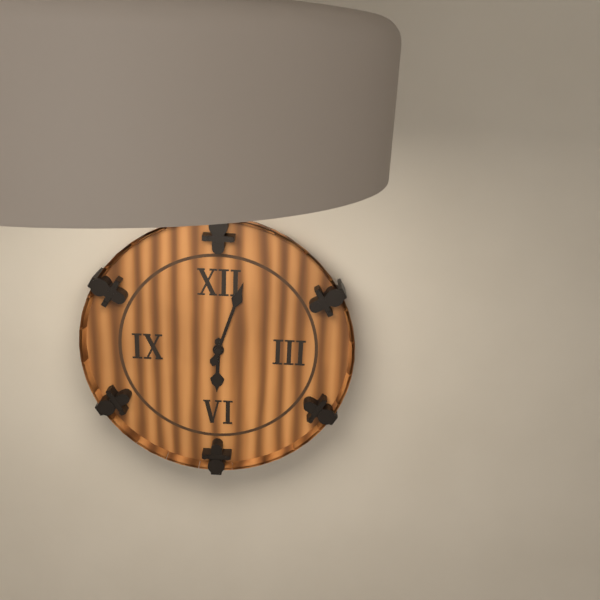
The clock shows 6h03
